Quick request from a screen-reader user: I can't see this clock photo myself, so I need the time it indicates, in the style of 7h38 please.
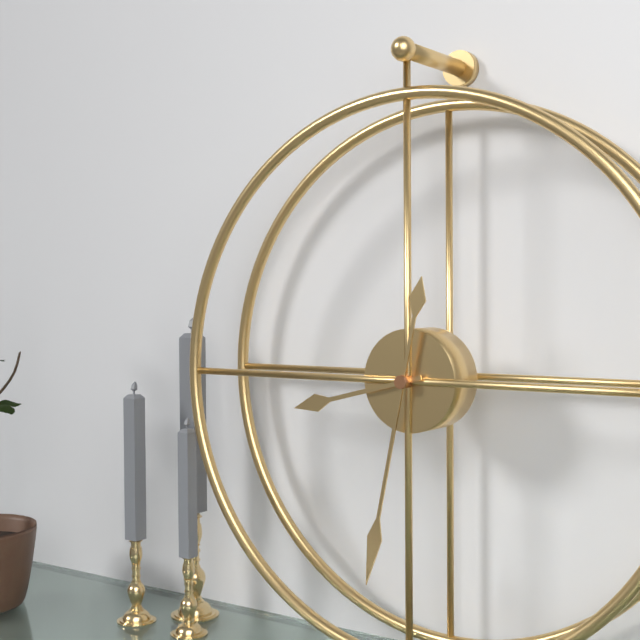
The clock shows 8h32
